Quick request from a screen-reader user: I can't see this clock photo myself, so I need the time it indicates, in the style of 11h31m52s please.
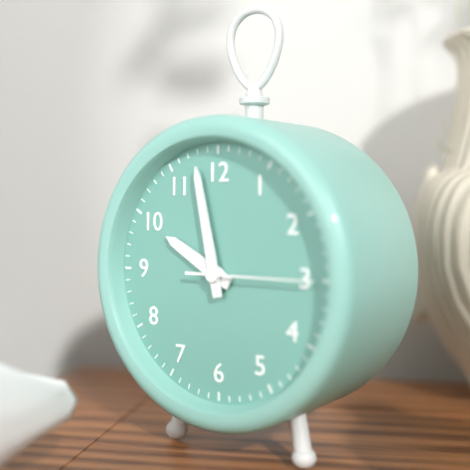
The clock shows 9h58m15s
